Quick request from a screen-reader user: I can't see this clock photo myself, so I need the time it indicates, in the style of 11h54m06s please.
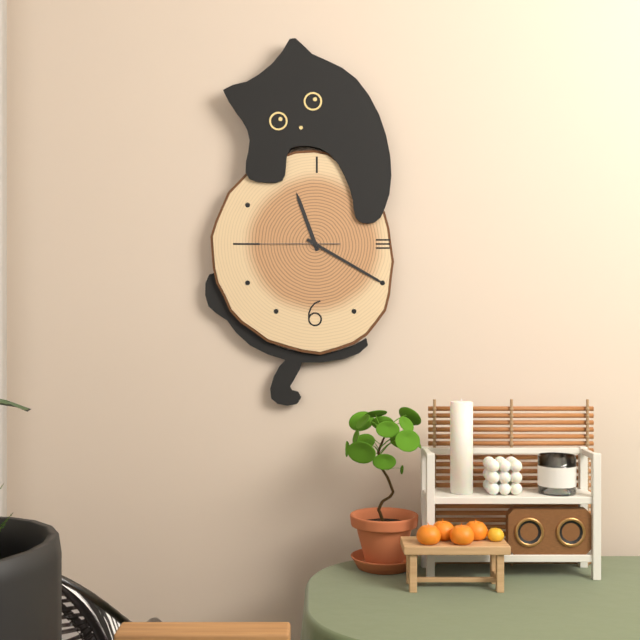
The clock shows 11h20m45s
